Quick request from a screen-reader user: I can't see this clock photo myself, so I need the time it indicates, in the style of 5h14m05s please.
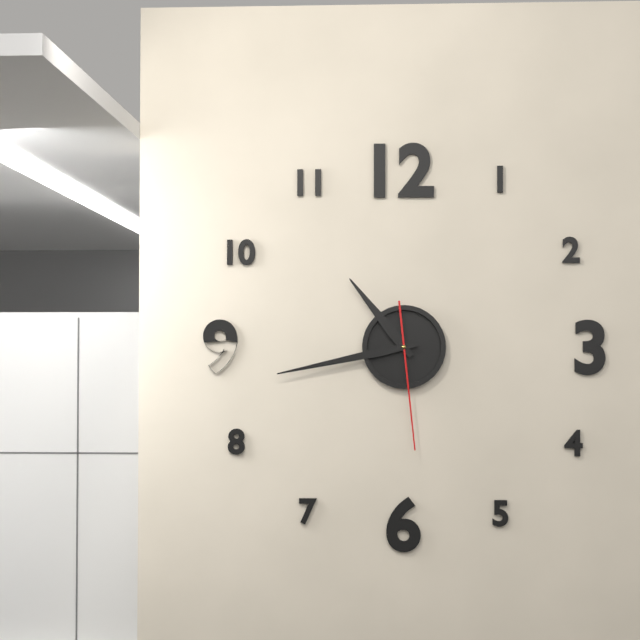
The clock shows 10h43m29s
